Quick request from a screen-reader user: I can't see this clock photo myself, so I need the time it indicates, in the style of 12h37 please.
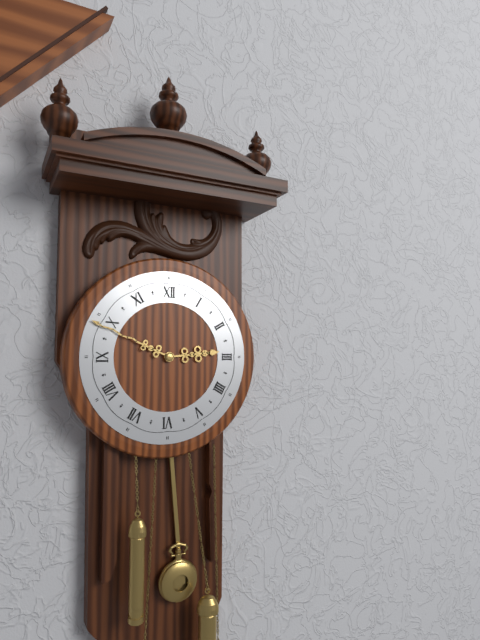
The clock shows 2h49
